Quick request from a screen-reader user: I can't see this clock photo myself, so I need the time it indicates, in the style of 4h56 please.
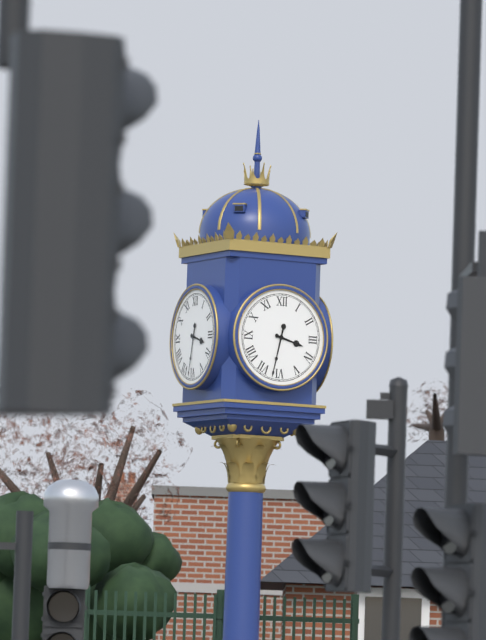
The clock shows 3h32
